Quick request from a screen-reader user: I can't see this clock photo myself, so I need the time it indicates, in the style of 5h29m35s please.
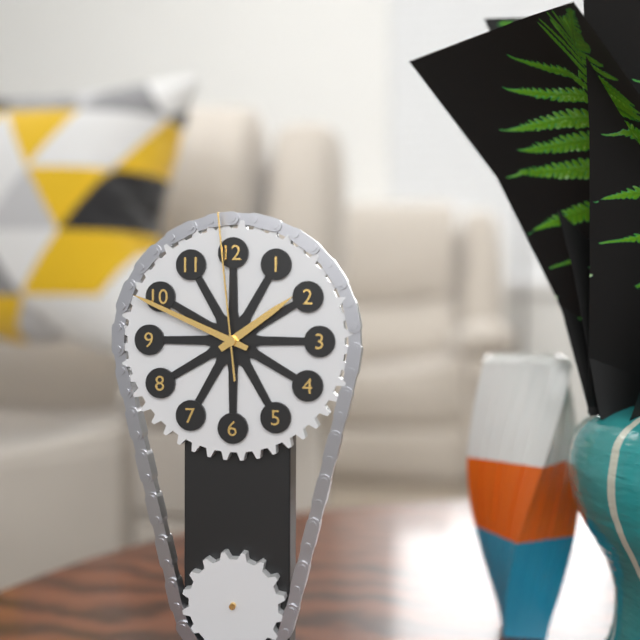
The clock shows 1h49m59s
